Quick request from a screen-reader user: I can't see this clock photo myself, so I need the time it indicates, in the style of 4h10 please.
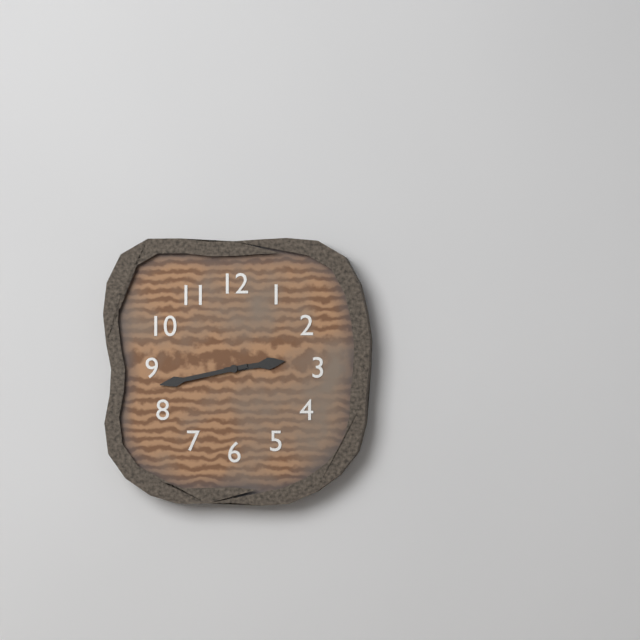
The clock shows 2h43
